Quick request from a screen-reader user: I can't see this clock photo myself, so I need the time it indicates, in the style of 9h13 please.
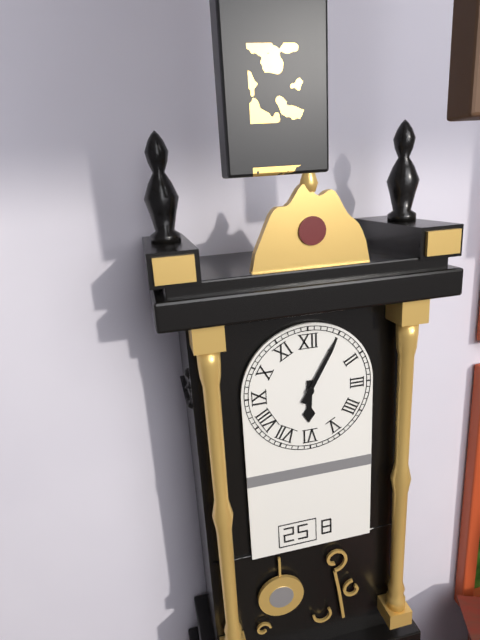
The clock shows 6h05
